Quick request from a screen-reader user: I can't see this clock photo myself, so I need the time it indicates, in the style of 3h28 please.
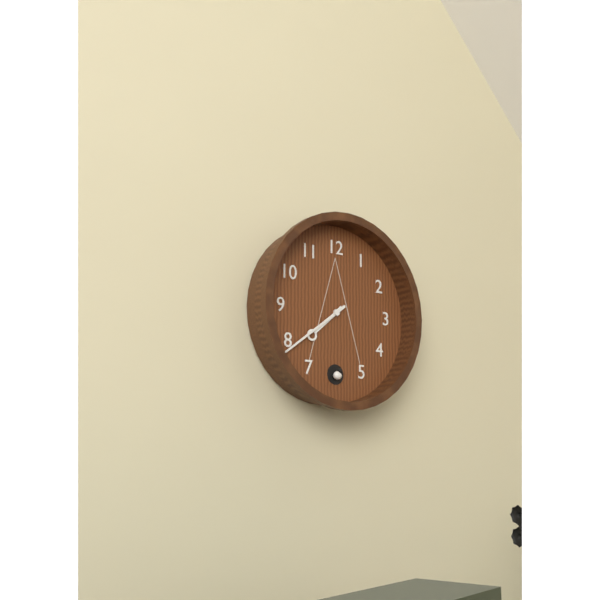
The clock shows 7h39
